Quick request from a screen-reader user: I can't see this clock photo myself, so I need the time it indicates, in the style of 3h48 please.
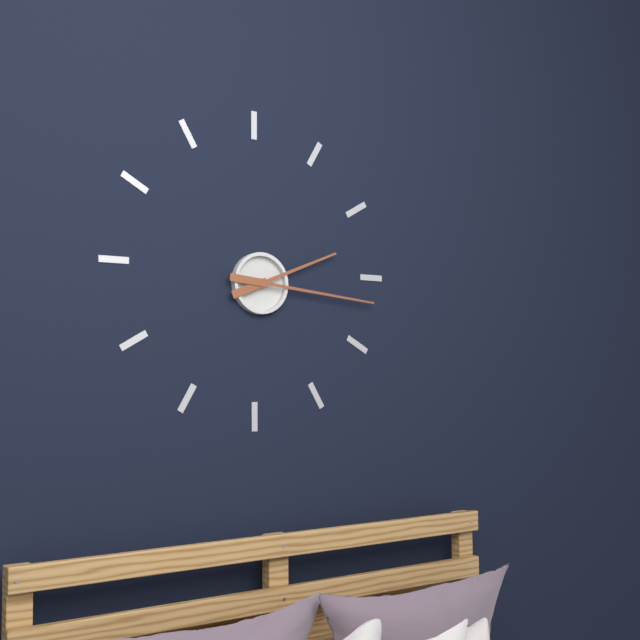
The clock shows 2h16
